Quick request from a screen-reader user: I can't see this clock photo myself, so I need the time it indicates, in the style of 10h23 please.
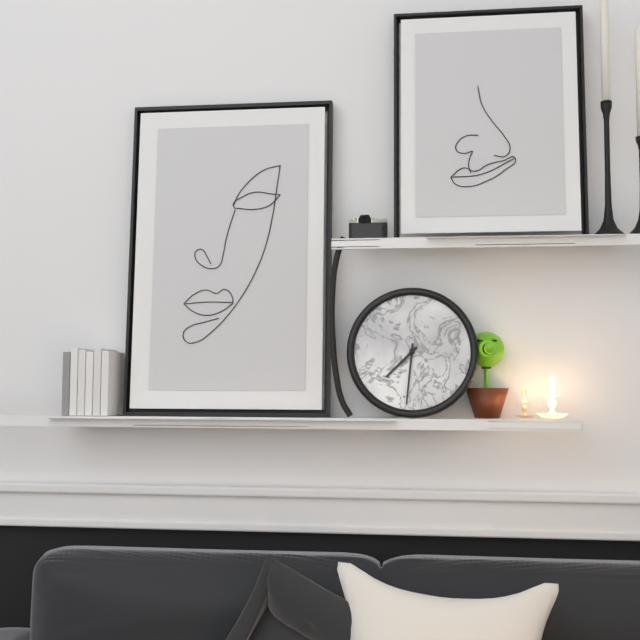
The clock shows 7h31
